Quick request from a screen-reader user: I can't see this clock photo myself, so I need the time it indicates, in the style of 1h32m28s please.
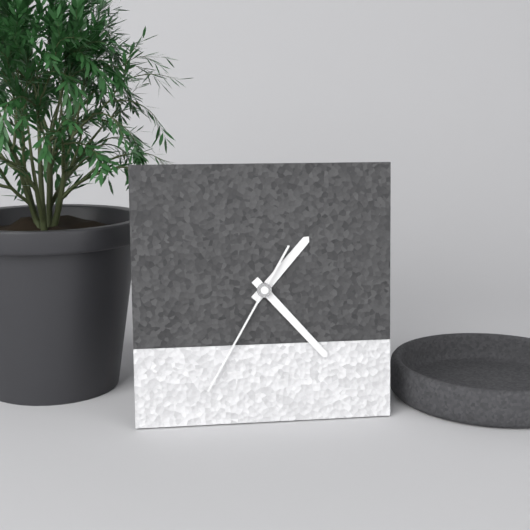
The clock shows 1h23m35s
